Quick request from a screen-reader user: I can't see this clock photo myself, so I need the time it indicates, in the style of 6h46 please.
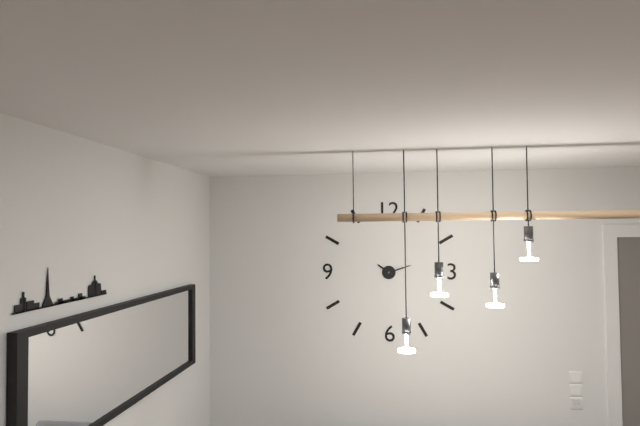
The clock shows 10h12
